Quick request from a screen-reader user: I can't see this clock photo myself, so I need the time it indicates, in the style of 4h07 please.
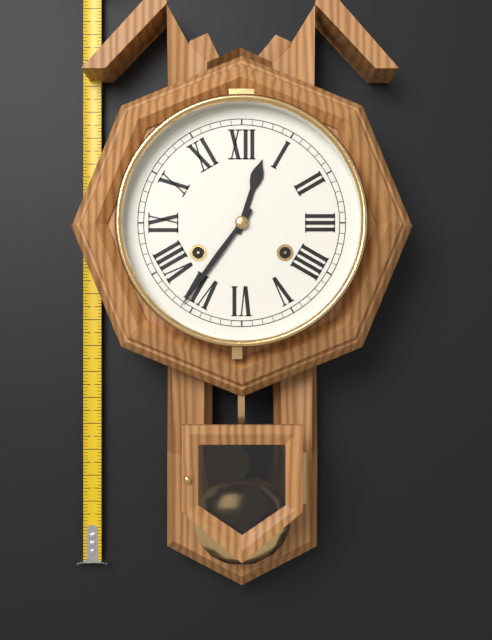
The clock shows 12h36
